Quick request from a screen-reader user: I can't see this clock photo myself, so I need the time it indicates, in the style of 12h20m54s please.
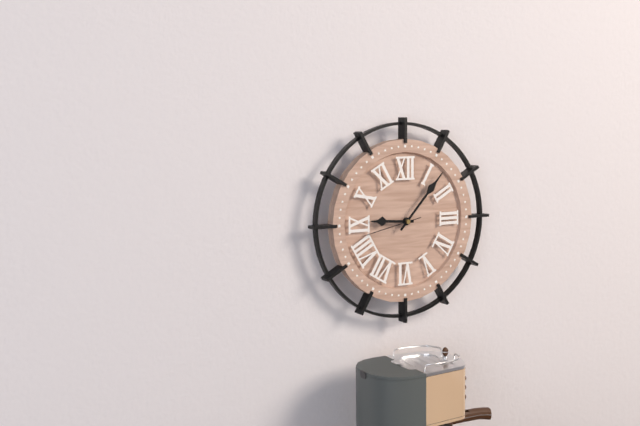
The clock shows 9h07m43s
